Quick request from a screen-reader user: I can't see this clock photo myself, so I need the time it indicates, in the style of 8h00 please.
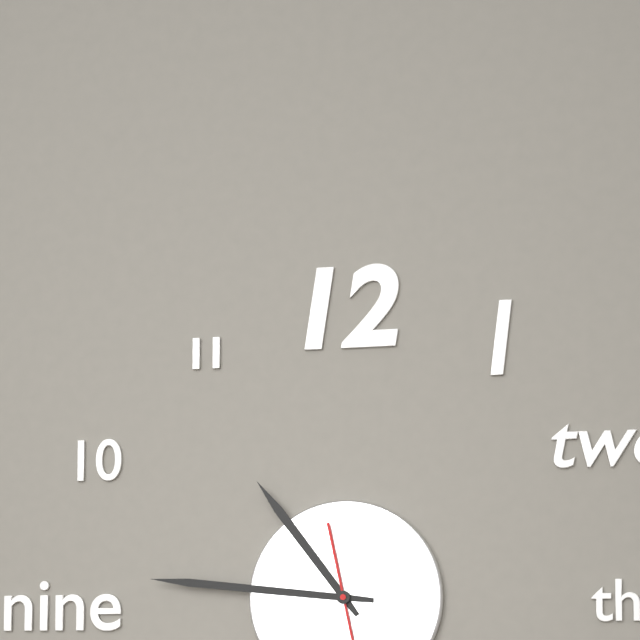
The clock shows 10h46
